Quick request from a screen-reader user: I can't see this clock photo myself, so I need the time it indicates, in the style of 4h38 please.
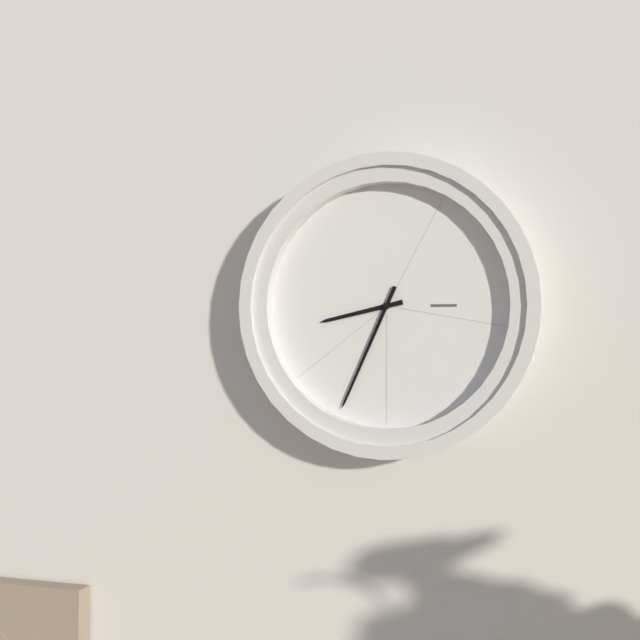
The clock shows 8h34
